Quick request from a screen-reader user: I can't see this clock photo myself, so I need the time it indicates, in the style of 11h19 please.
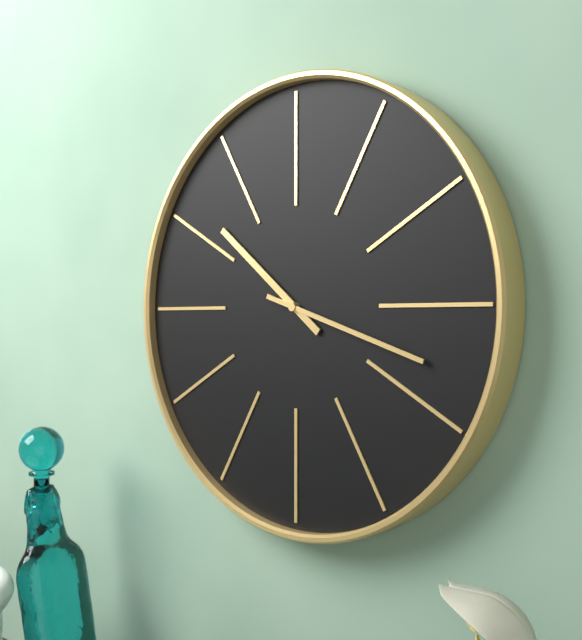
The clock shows 10h18
